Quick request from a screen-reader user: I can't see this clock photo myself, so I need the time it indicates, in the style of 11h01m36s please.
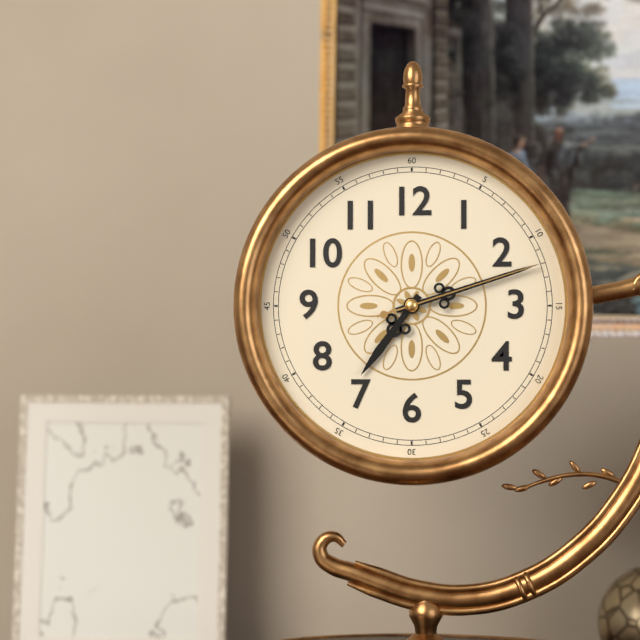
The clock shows 7h12m12s
